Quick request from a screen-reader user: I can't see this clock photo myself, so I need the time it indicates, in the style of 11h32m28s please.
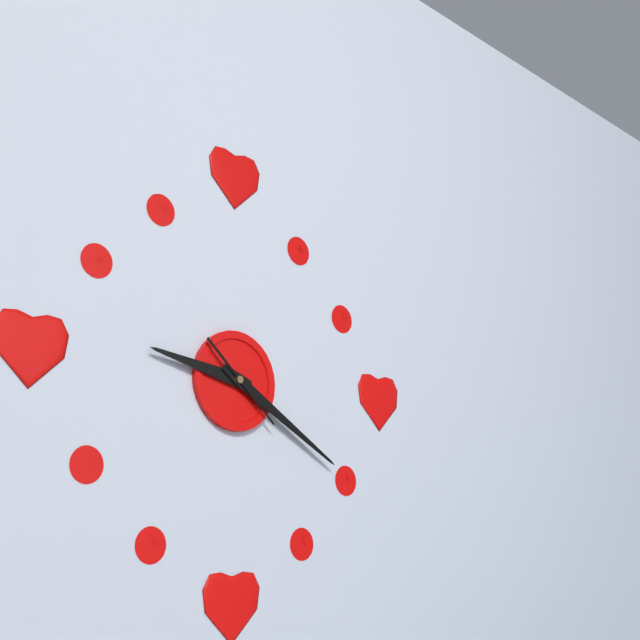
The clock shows 9h20m22s
